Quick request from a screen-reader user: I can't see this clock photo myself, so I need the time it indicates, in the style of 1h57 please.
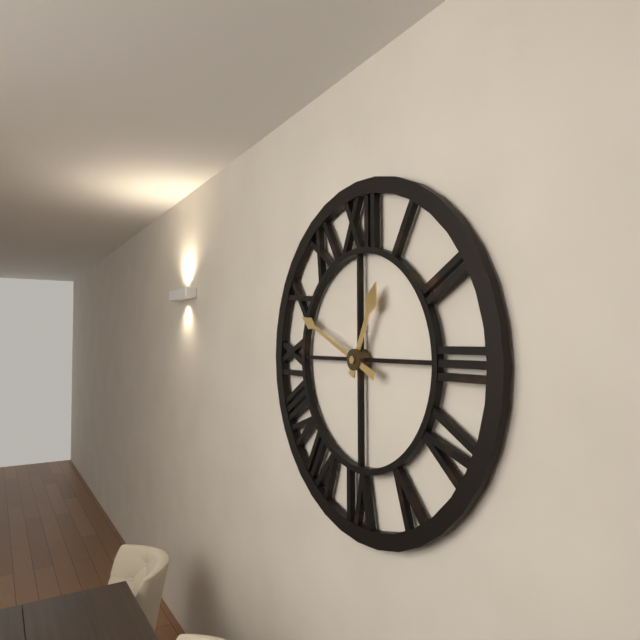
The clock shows 12h49
